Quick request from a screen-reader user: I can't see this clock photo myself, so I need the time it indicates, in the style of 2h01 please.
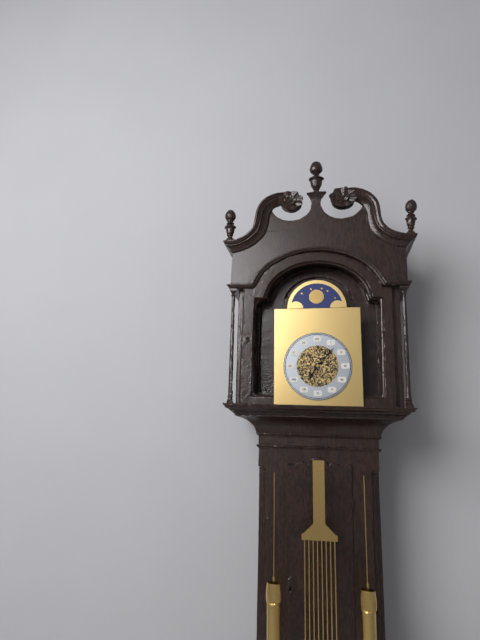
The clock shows 7h07
